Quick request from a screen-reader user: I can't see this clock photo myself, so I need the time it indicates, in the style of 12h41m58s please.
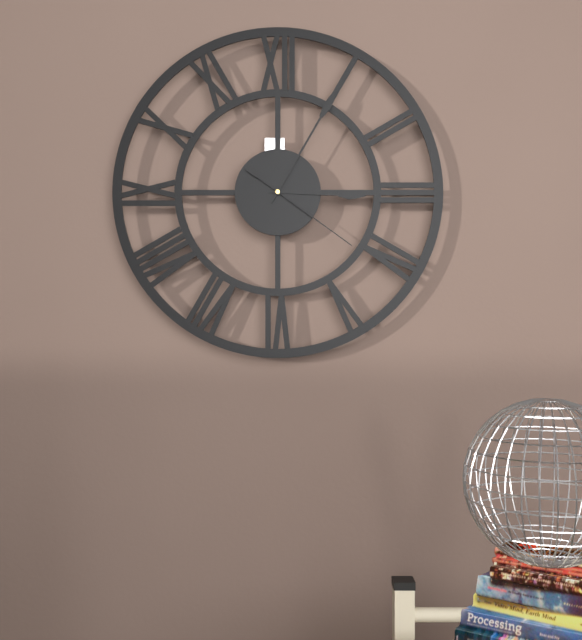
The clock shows 3h05m21s
